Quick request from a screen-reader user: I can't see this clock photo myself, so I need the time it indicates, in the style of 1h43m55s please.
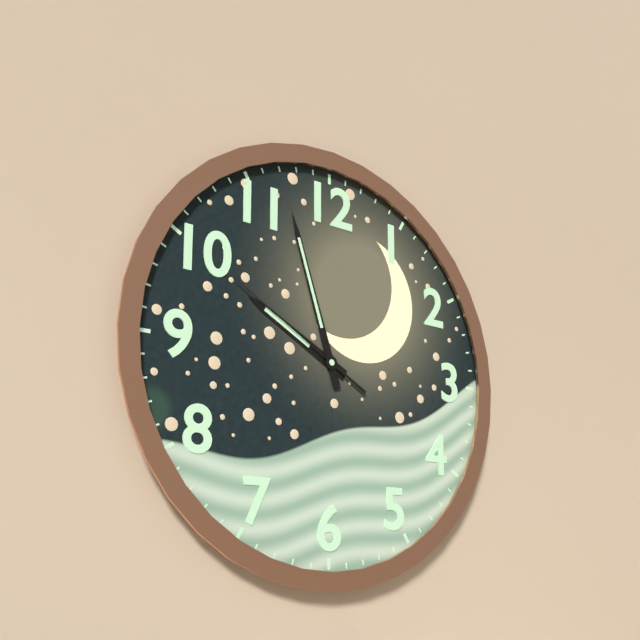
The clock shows 9h57m50s
